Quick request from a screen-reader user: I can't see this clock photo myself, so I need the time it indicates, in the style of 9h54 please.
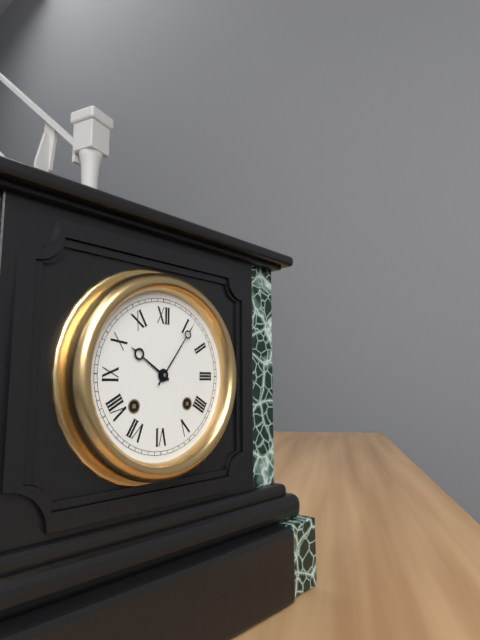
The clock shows 10h06
